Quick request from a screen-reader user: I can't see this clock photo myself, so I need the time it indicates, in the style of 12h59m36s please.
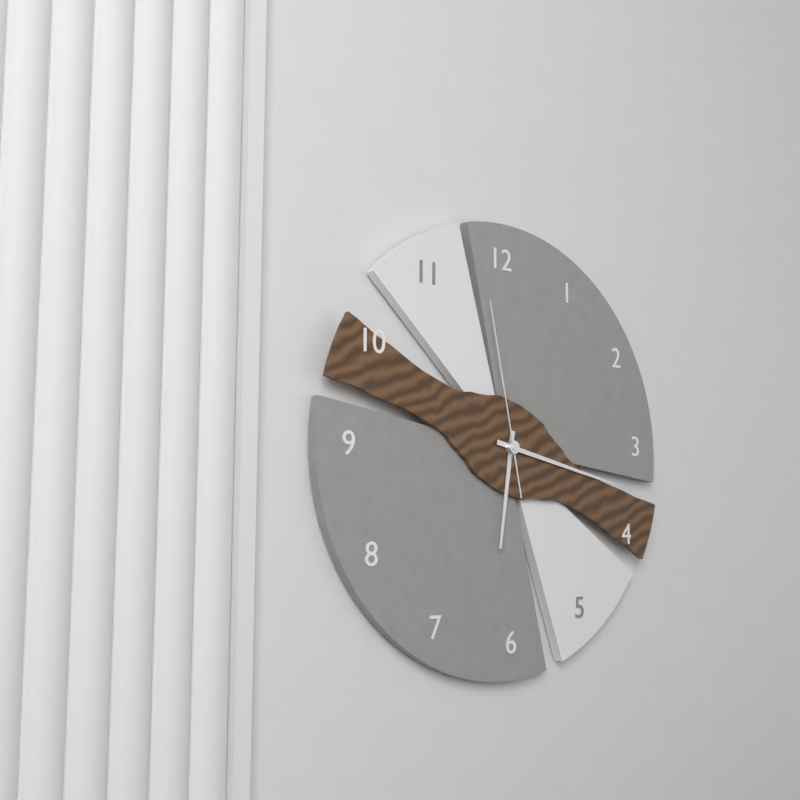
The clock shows 6h17m58s
